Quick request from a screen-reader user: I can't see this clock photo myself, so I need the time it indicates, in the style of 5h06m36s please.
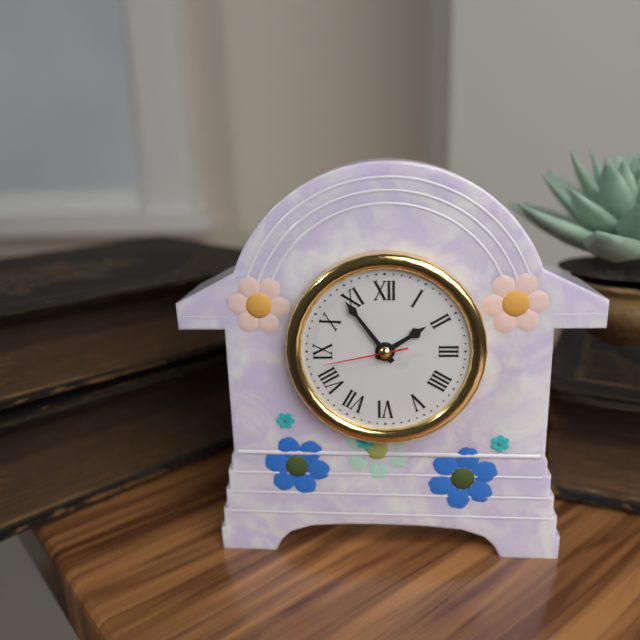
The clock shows 1h54m43s
